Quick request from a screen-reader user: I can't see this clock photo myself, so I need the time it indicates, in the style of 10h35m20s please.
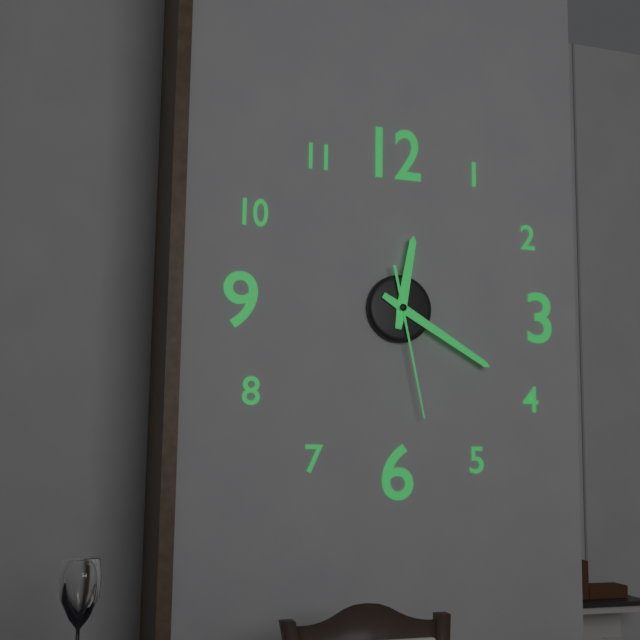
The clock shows 12h20m28s
